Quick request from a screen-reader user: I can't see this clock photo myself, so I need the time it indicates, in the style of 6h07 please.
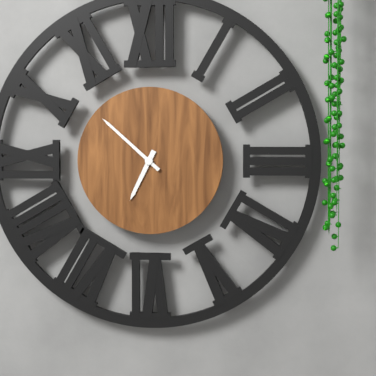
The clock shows 6h52
